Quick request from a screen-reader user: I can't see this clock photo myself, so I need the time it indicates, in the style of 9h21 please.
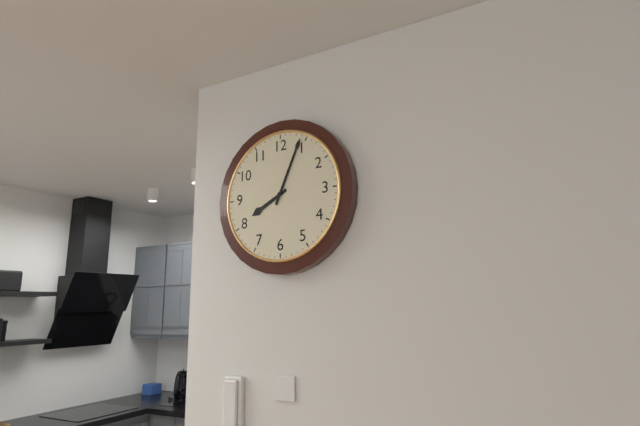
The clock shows 8h04
